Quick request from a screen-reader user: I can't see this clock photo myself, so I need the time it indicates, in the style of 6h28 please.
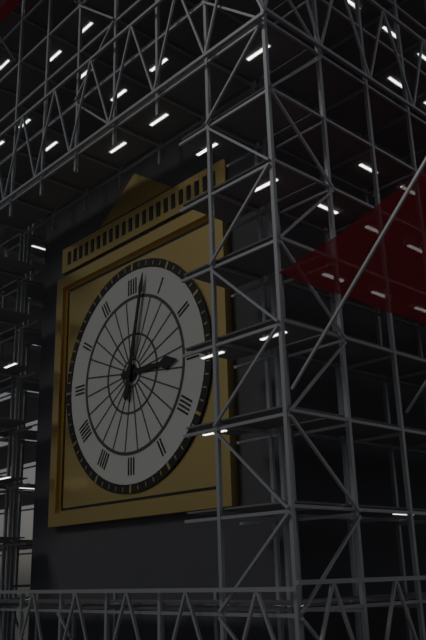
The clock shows 3h02
